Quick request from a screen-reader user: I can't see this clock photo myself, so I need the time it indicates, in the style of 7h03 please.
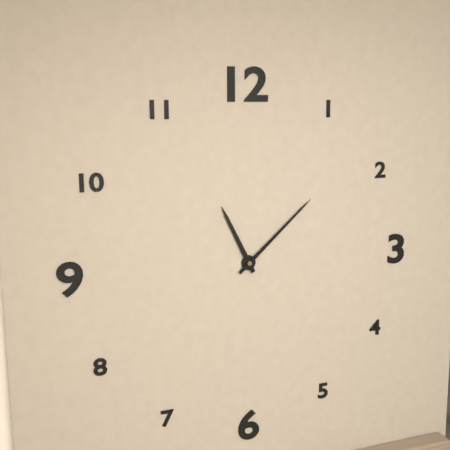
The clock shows 11h08
